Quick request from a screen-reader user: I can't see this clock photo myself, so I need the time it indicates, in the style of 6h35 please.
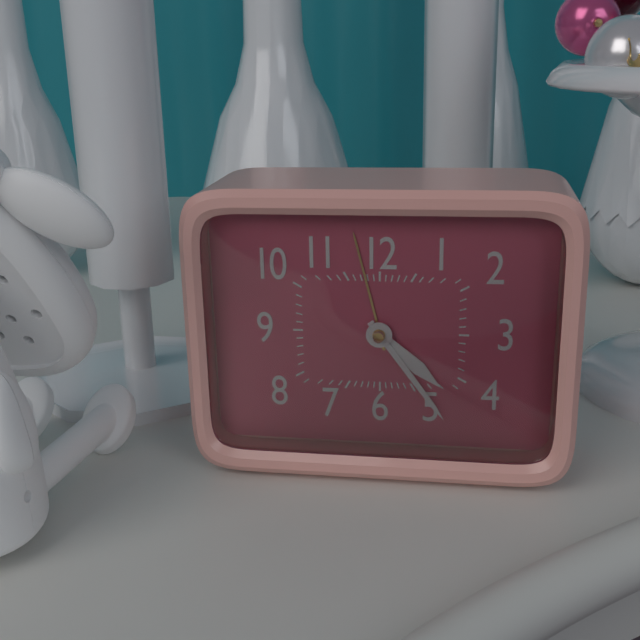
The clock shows 4h24
